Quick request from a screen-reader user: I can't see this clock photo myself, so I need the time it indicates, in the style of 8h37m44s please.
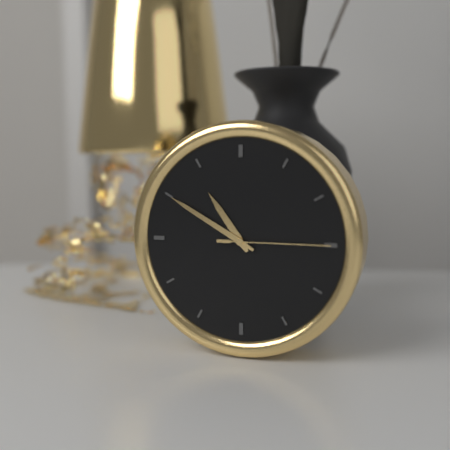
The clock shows 10h50m15s
